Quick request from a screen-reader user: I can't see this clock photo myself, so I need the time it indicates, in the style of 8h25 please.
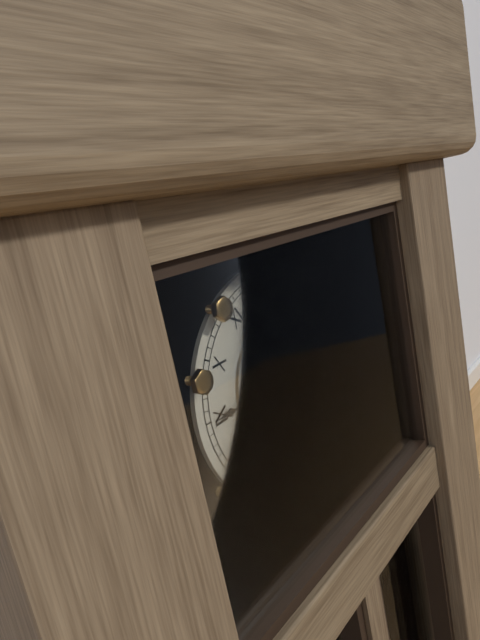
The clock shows 4h45
